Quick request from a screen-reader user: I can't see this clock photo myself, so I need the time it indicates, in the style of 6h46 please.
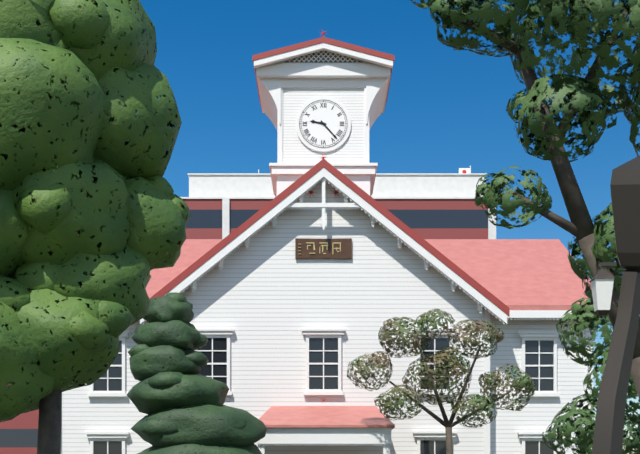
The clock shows 9h23
